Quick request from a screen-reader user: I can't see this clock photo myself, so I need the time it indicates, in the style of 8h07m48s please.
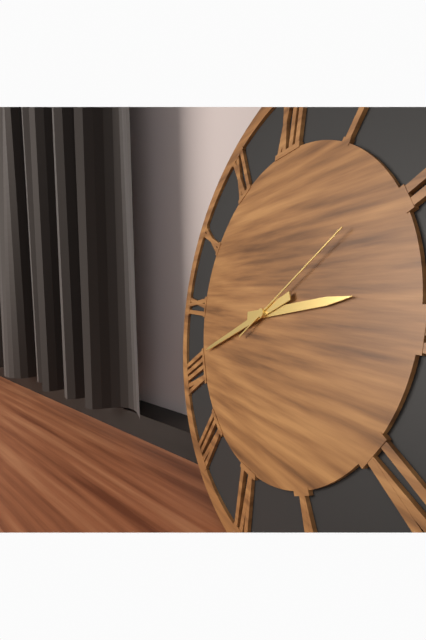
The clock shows 2h41m09s
